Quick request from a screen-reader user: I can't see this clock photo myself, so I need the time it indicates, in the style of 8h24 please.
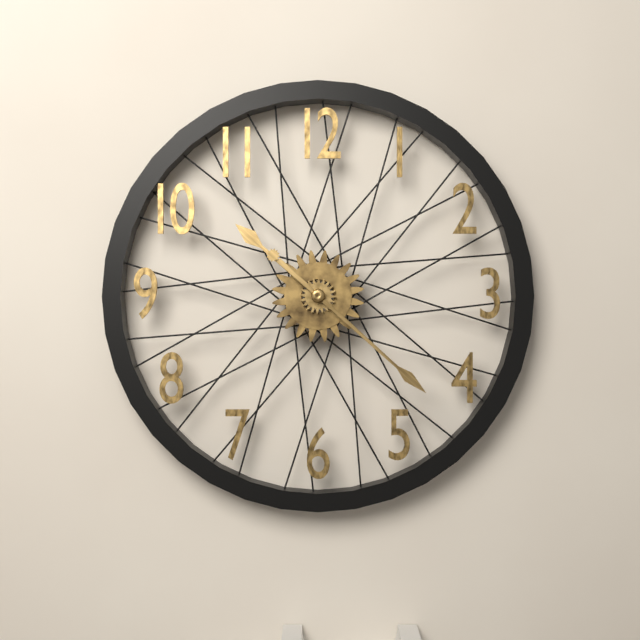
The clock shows 10h22
